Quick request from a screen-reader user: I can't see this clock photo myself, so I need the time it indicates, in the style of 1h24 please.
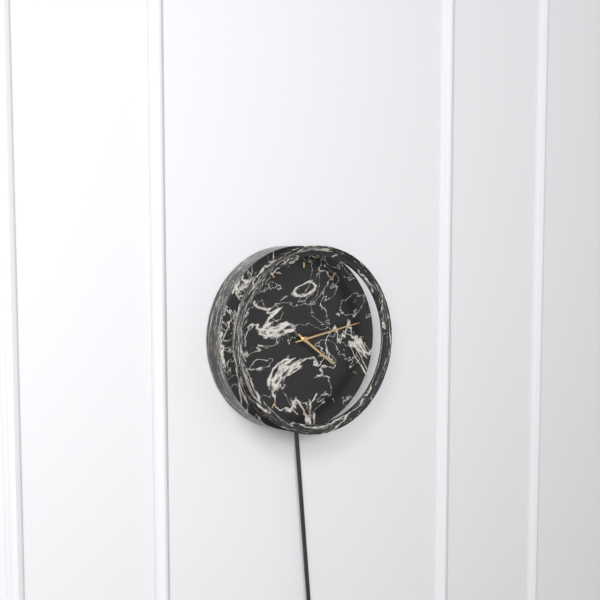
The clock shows 4h13
